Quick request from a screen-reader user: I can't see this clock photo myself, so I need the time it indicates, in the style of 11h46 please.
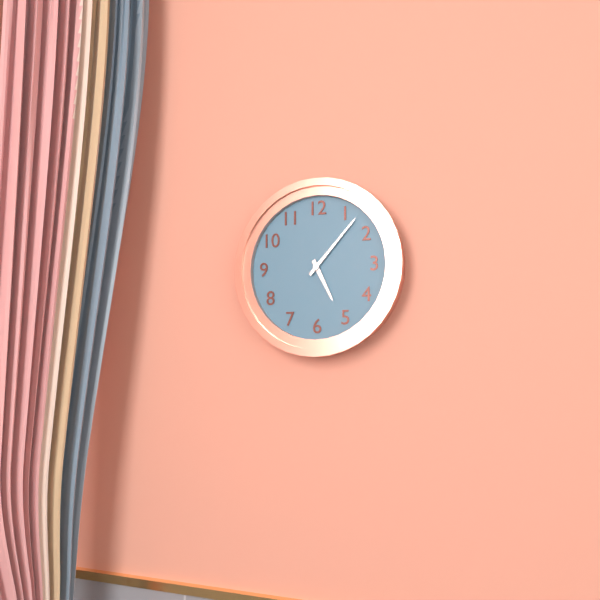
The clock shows 5h07
